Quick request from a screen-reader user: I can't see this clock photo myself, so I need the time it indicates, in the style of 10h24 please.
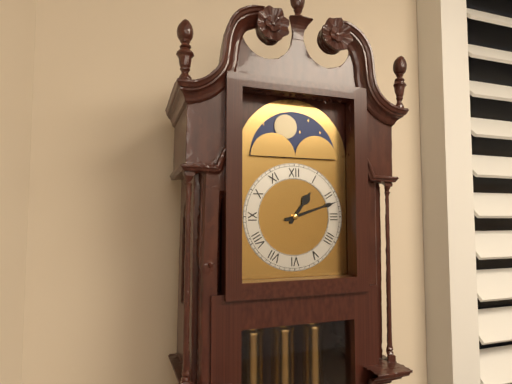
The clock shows 1h12
